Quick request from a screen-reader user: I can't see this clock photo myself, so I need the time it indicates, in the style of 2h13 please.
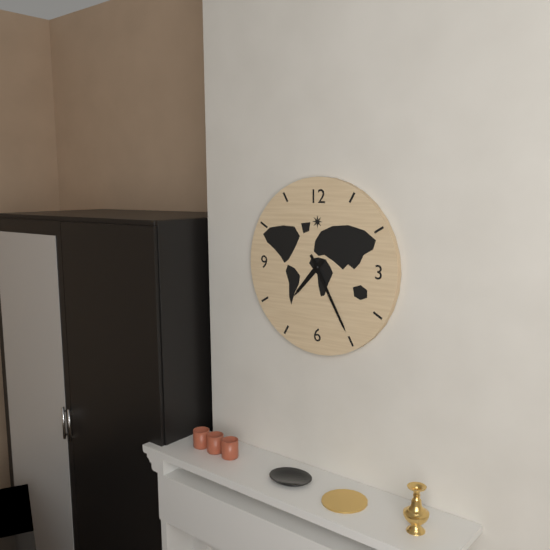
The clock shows 7h25
